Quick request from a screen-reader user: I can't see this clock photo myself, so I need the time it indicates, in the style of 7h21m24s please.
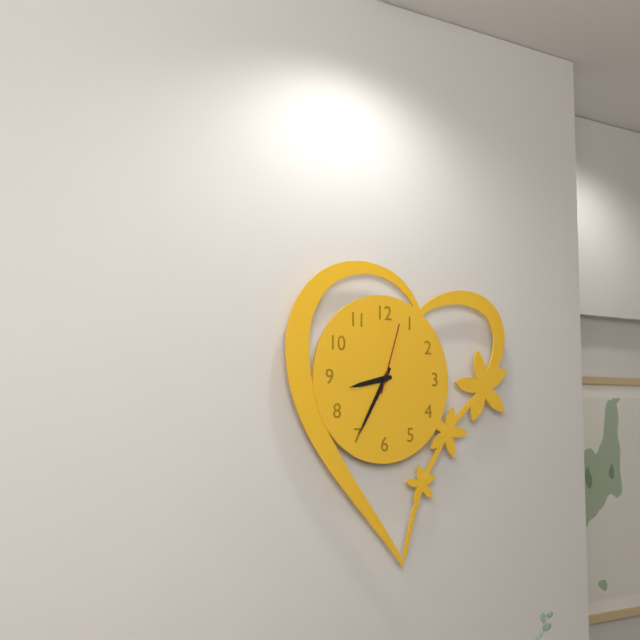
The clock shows 8h35m03s
